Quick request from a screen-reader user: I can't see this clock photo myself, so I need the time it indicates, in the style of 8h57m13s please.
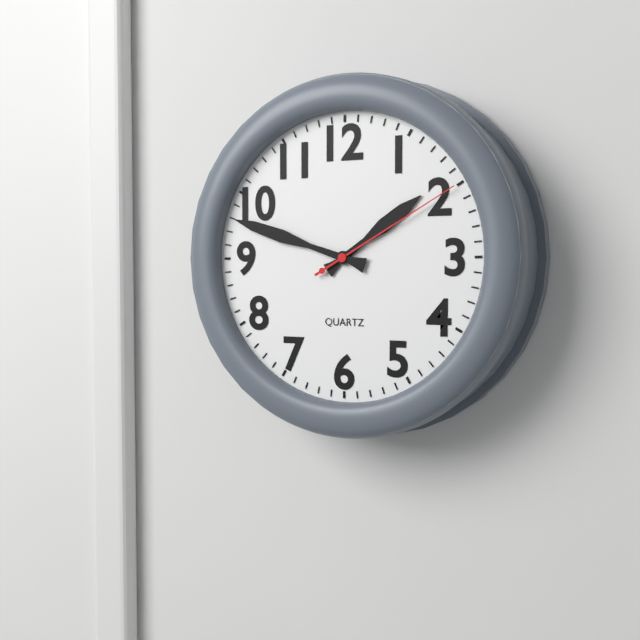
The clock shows 1h48m10s
